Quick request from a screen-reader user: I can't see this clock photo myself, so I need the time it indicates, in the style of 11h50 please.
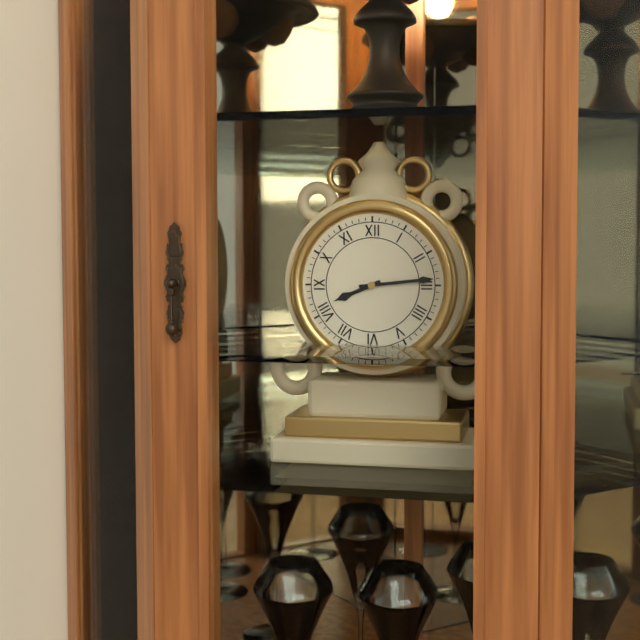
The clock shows 8h14
